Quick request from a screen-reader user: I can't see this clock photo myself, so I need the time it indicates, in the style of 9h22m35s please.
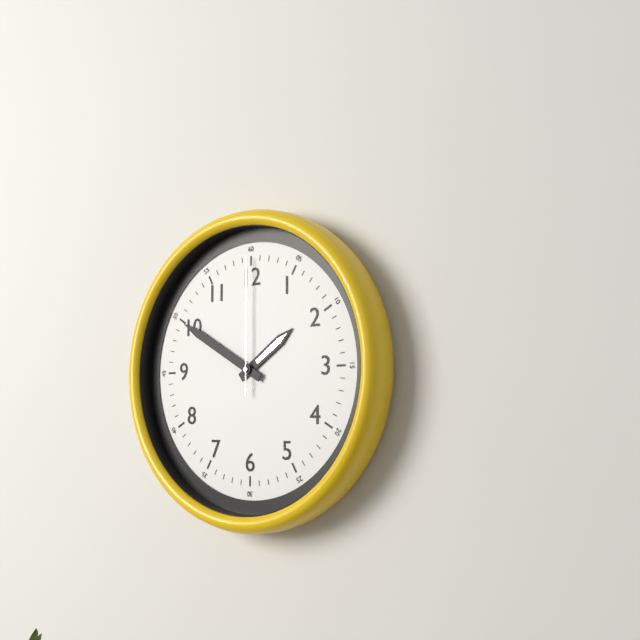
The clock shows 1h50m00s
